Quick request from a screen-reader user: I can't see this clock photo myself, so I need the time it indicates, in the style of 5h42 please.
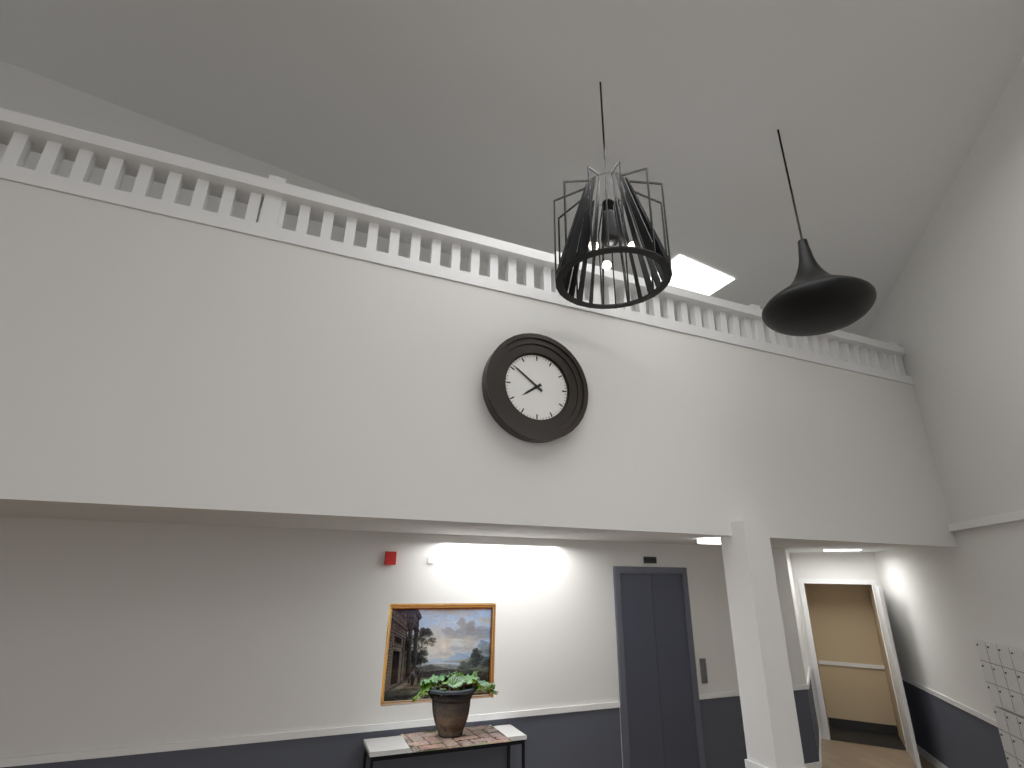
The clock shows 7h51
